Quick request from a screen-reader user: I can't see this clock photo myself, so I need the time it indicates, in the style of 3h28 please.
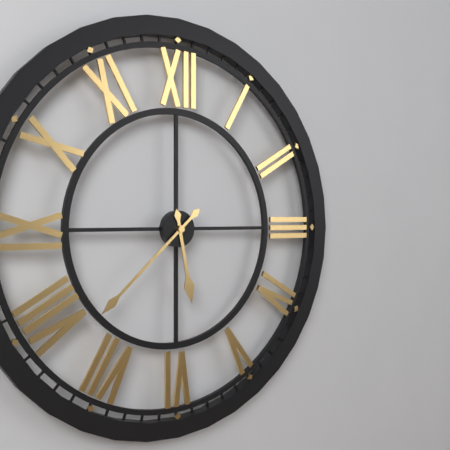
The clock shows 5h38
